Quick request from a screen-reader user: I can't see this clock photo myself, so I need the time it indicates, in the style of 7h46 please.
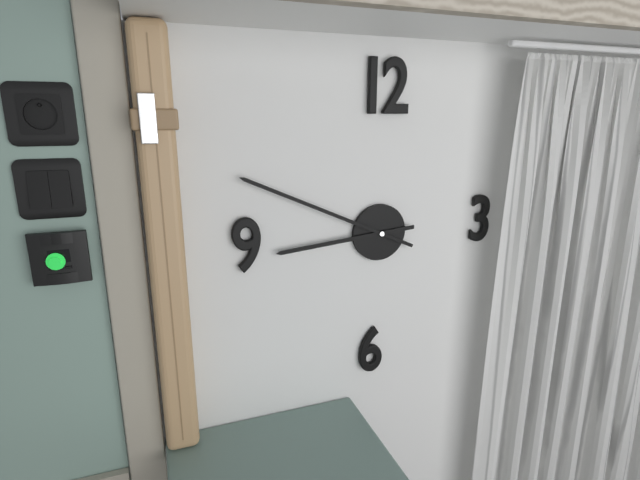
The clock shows 8h49
